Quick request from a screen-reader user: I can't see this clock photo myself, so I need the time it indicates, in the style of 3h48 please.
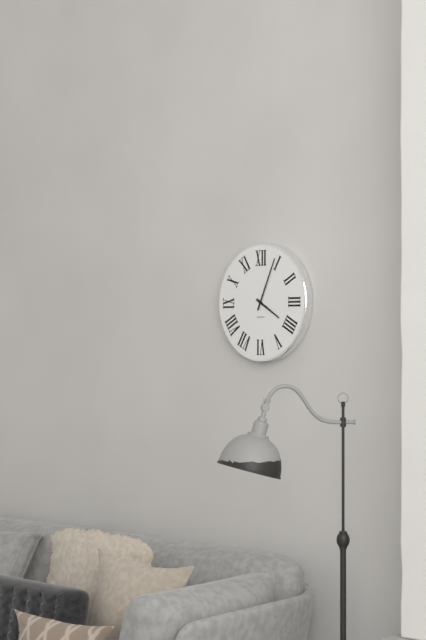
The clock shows 4h04
